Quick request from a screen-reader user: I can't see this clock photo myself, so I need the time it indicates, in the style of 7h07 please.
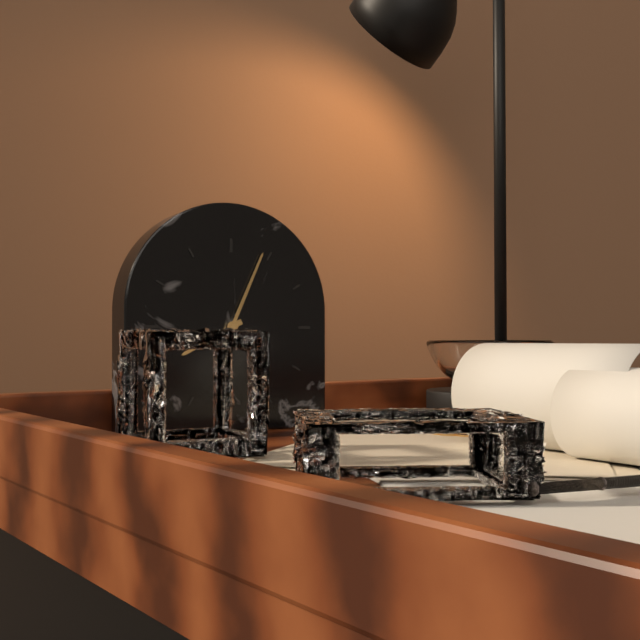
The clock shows 8h04
